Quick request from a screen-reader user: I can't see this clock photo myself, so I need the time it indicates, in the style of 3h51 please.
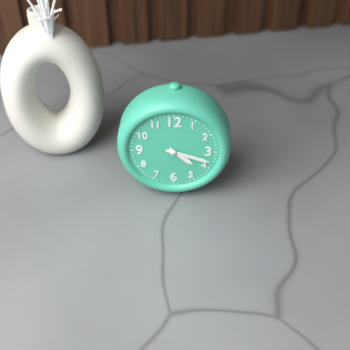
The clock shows 4h18
